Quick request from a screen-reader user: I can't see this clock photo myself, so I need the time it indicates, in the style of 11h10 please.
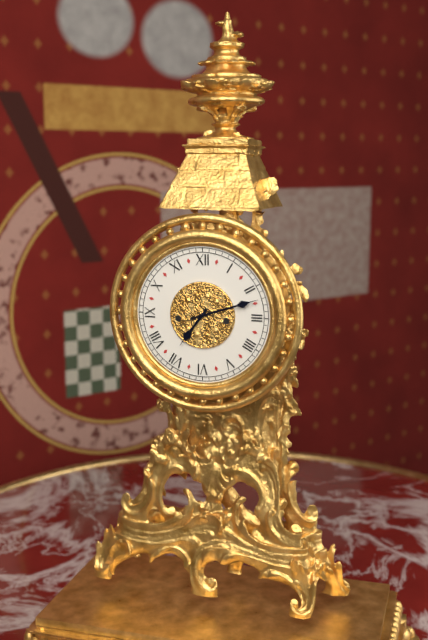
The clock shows 7h12
